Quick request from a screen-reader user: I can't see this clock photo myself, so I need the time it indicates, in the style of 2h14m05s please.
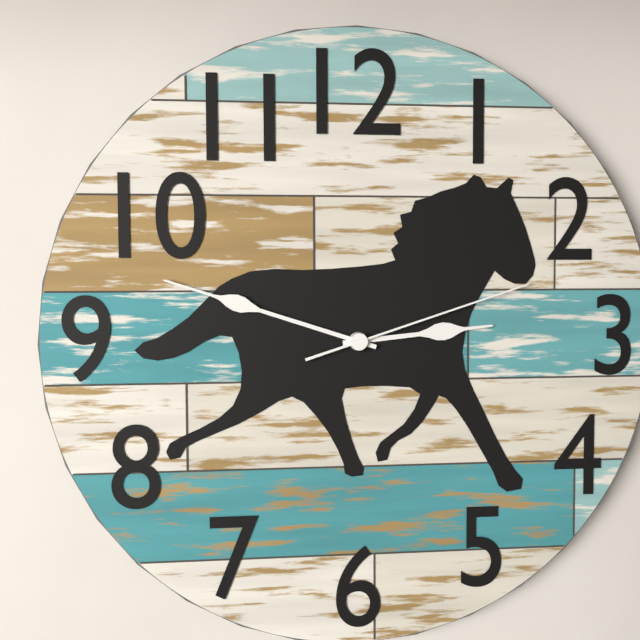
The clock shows 2h48m12s
